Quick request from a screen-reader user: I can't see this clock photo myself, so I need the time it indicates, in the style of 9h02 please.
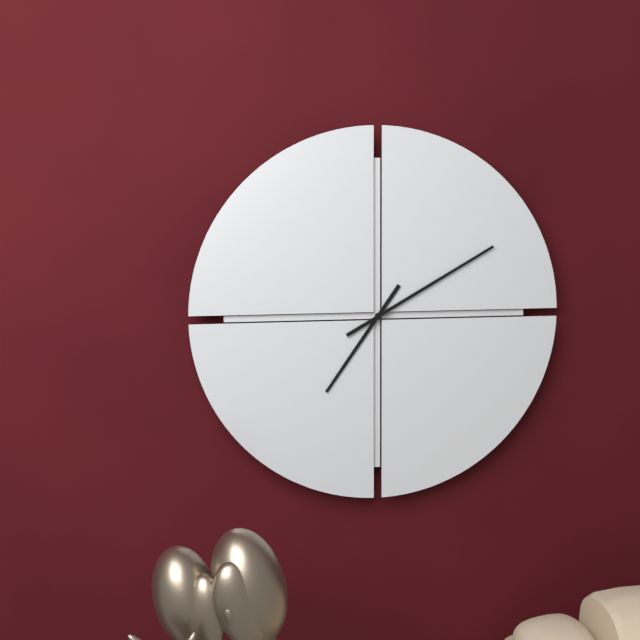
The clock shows 7h10
